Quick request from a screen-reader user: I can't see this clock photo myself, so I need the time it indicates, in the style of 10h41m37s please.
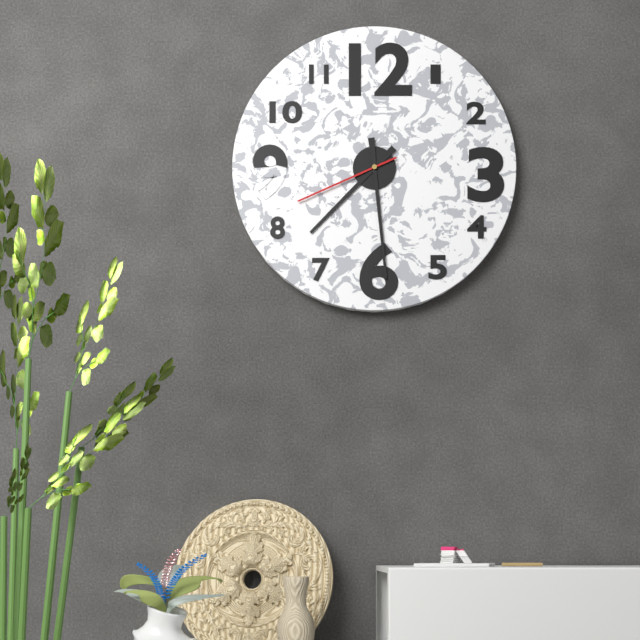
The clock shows 7h29m41s
